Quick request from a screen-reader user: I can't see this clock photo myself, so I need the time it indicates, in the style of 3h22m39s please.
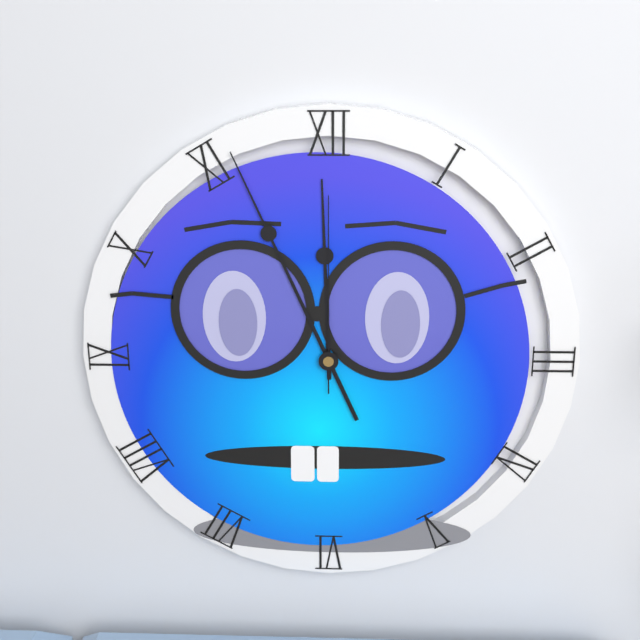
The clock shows 11h56m00s
